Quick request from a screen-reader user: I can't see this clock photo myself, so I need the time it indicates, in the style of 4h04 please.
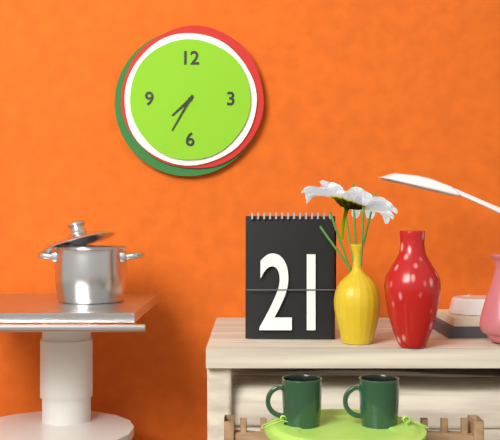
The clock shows 7h35
